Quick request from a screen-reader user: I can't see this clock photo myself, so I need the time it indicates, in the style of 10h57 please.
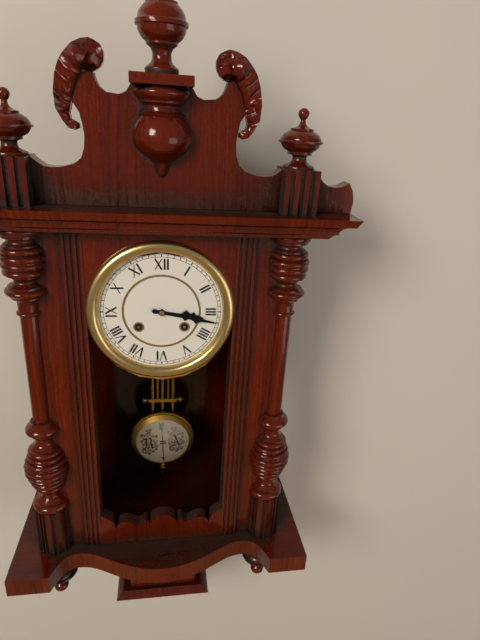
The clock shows 3h17
